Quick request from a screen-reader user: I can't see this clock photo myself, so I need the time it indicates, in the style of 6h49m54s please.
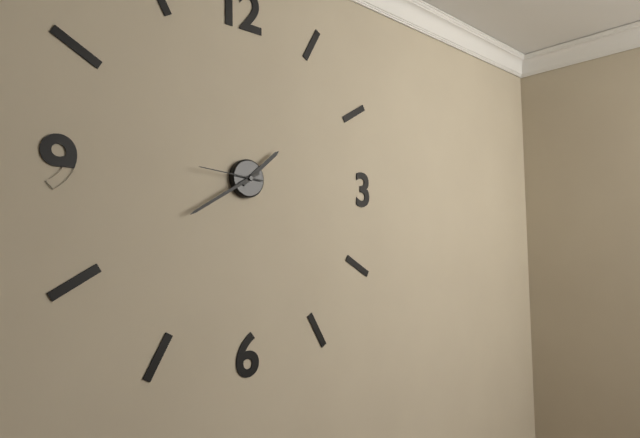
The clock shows 1h40m46s
